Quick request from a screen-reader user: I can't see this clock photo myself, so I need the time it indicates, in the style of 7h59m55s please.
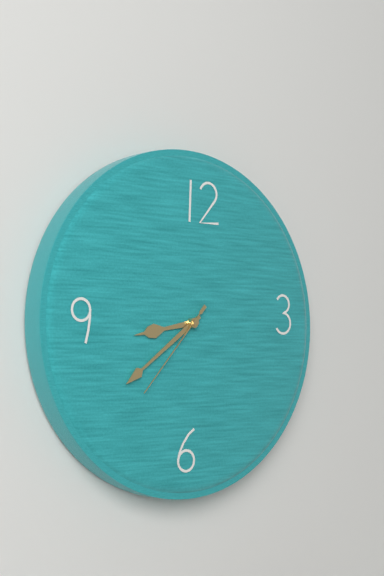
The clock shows 8h39m37s
